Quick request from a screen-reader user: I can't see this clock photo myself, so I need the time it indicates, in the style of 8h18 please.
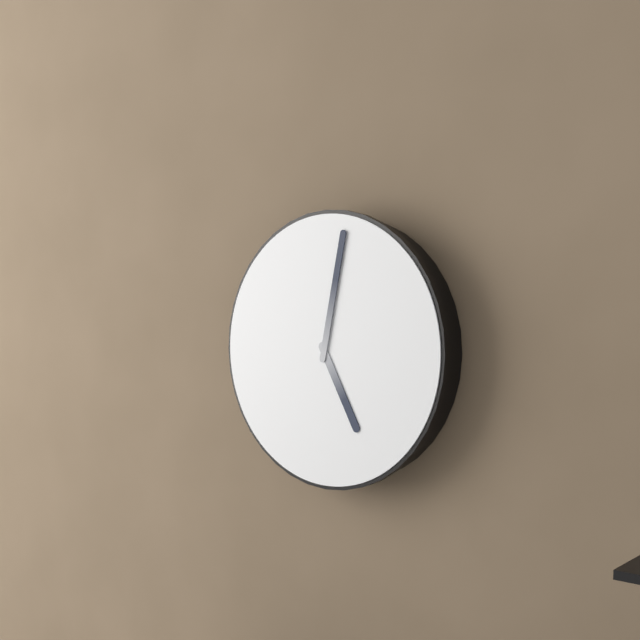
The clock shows 5h02
